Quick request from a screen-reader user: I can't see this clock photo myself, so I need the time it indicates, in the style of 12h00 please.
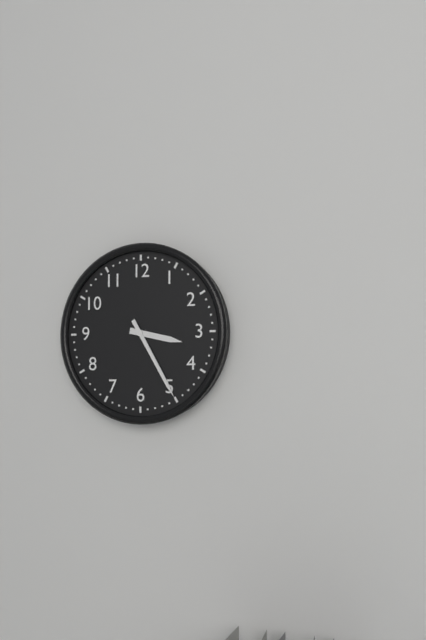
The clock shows 3h25
